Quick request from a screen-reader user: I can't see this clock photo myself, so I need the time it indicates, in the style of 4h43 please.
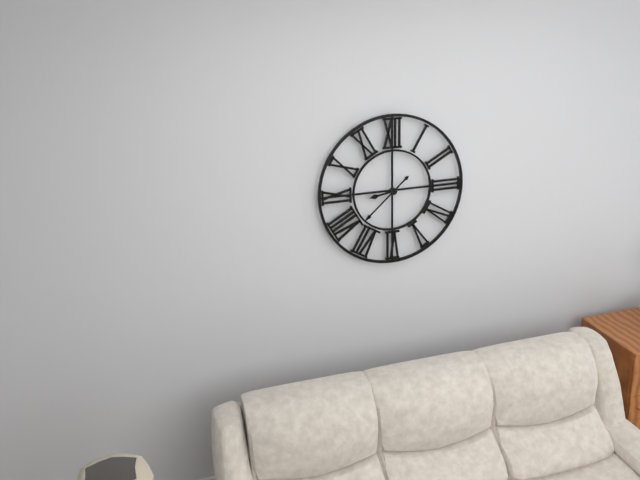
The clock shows 8h38
